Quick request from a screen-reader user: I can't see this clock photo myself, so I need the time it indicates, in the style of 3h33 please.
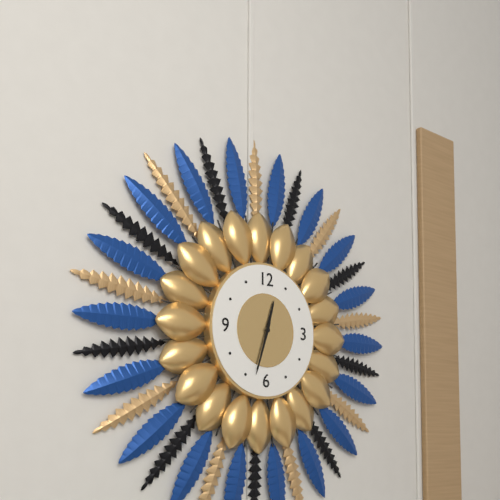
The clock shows 12h33
